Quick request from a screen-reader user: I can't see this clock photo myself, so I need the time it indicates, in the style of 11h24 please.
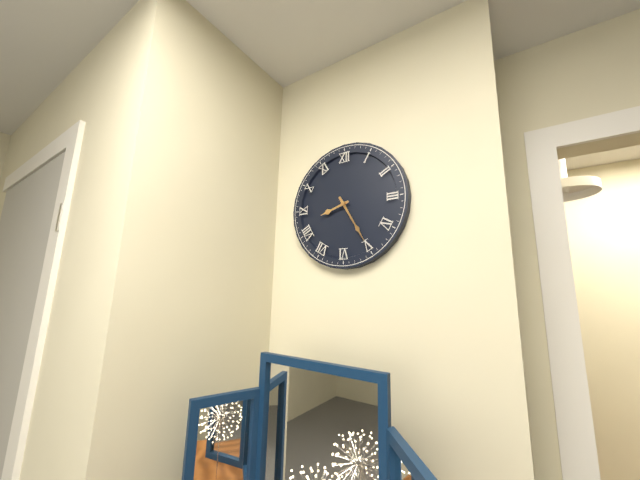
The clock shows 8h25
